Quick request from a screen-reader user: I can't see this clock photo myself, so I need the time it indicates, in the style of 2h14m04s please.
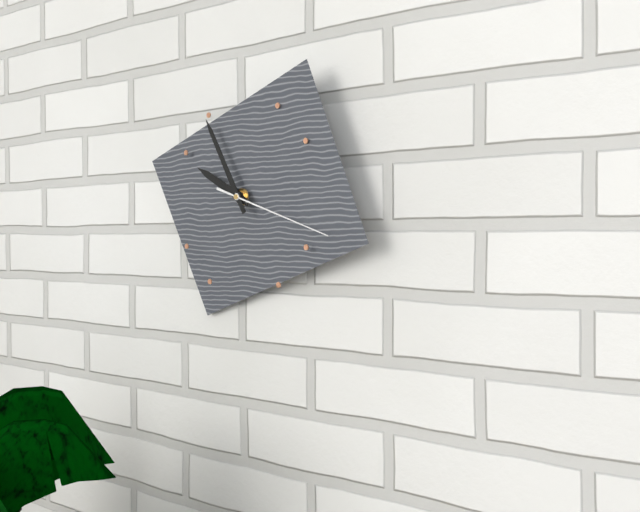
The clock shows 9h55m18s
